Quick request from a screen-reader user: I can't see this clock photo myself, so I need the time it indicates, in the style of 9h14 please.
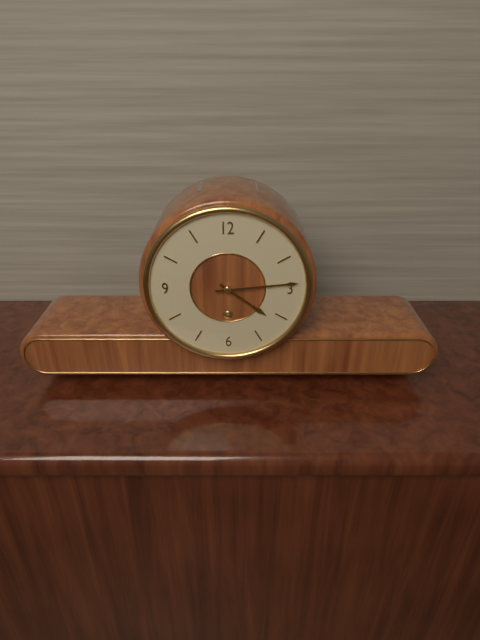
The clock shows 4h14
